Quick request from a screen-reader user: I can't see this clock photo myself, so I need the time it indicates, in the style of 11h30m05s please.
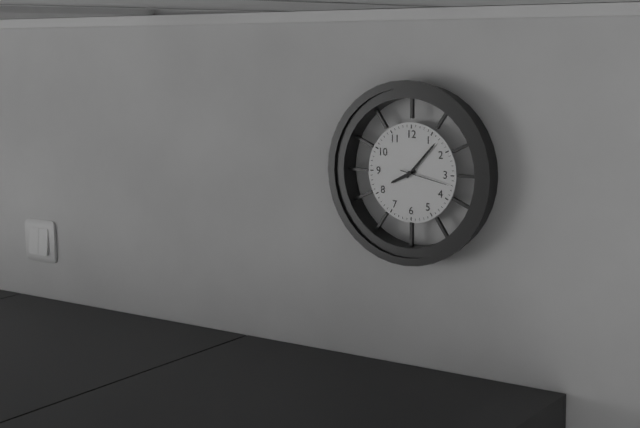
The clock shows 8h07m17s
